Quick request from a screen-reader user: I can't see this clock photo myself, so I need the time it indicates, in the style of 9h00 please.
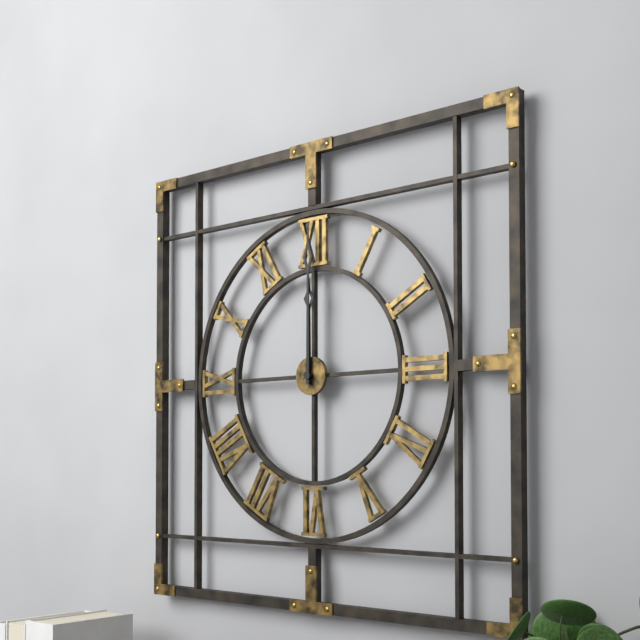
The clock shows 12h00
